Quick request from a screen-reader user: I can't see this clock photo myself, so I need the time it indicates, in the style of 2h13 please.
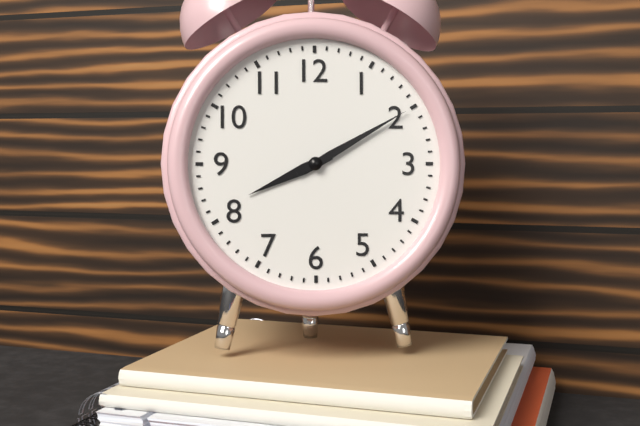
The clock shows 8h10
